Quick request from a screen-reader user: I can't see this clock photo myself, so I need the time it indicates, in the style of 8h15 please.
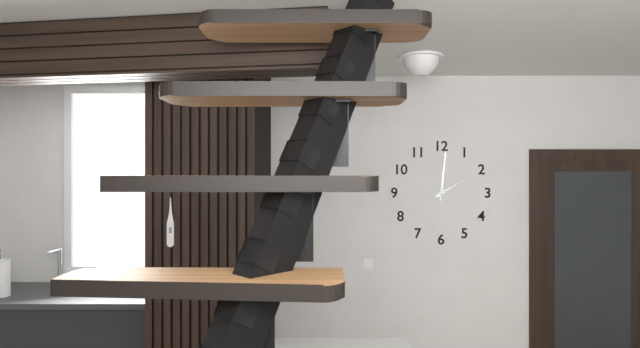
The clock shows 2h01
